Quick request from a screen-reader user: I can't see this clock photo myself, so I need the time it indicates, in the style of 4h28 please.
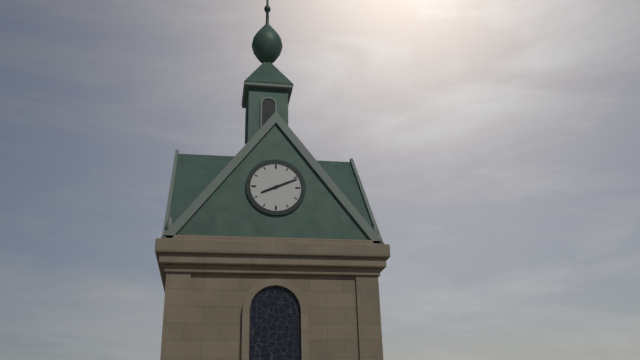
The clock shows 8h11
